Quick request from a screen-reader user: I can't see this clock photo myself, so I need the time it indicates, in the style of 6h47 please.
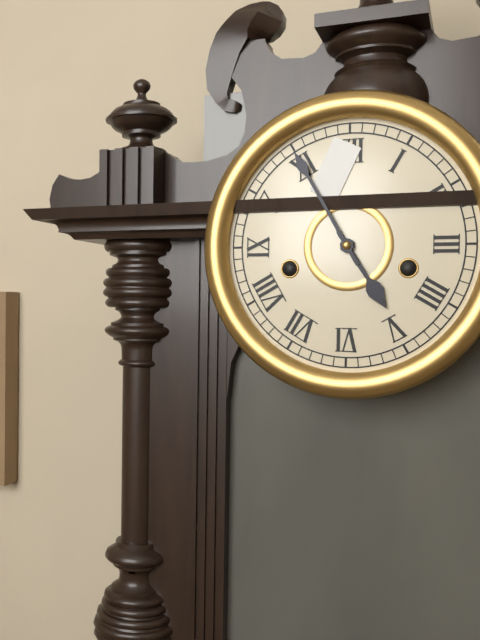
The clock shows 4h55
